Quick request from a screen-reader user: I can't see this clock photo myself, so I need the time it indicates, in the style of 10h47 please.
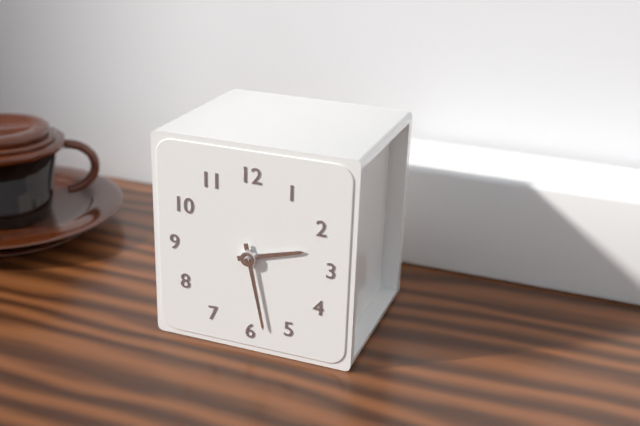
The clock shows 2h28
